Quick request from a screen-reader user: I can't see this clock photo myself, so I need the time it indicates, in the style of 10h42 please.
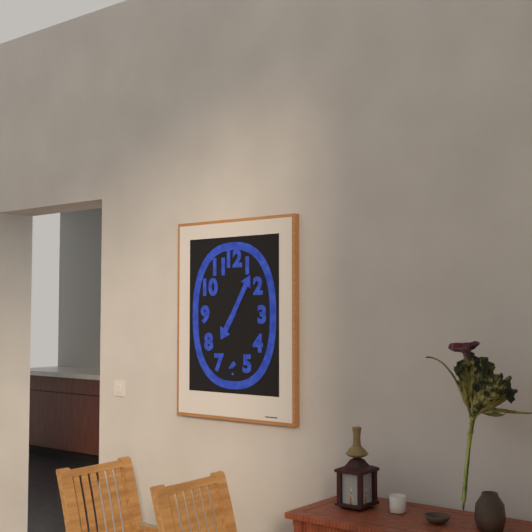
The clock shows 7h05
